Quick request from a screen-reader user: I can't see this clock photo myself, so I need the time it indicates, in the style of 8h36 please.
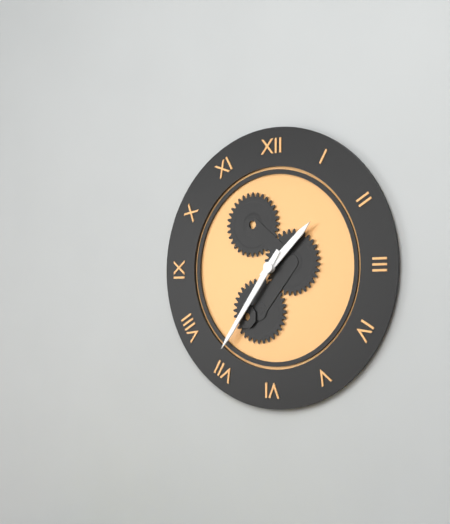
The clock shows 1h36
